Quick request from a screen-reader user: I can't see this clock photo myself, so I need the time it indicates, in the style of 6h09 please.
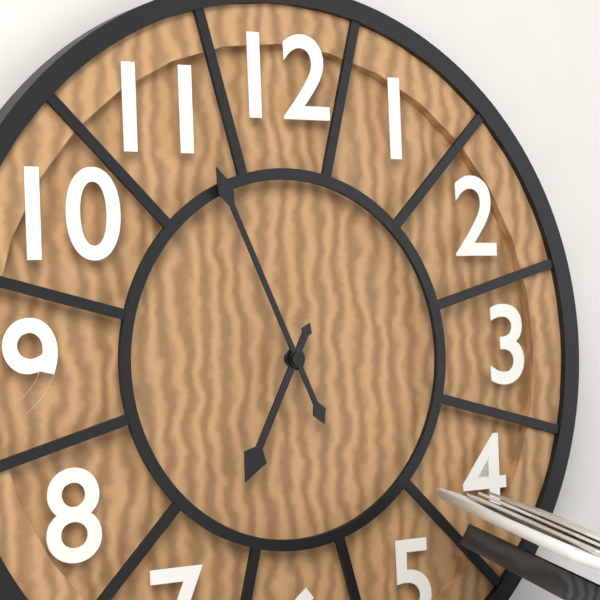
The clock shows 6h56
